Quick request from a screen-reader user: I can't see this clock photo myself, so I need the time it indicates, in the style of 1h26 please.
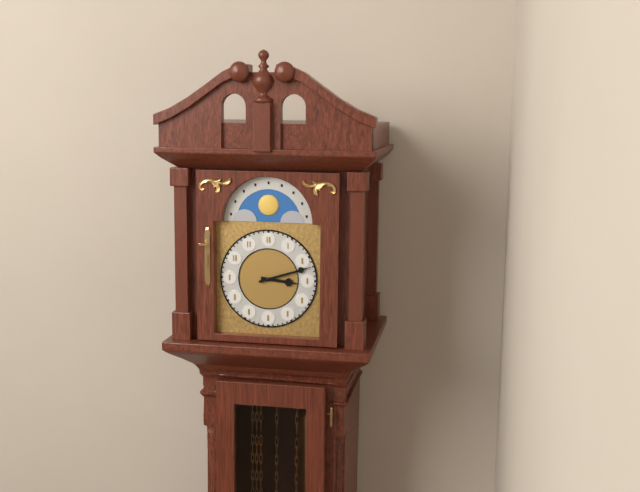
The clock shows 3h12
